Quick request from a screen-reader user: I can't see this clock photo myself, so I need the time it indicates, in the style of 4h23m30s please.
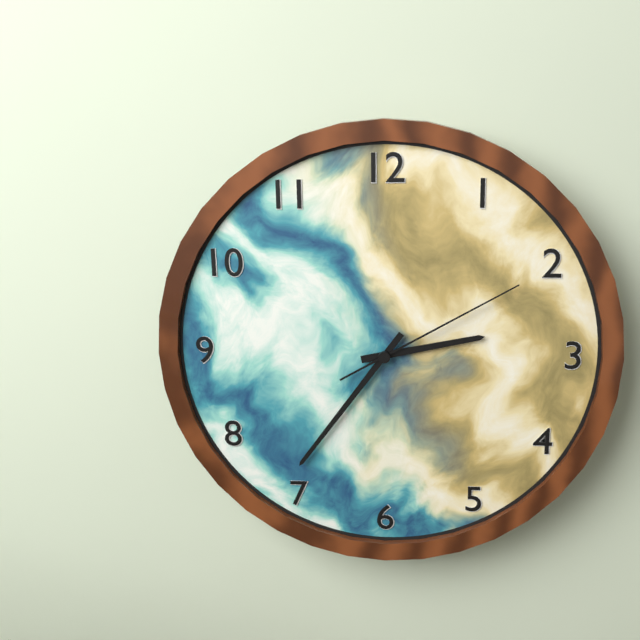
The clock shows 2h36m10s
